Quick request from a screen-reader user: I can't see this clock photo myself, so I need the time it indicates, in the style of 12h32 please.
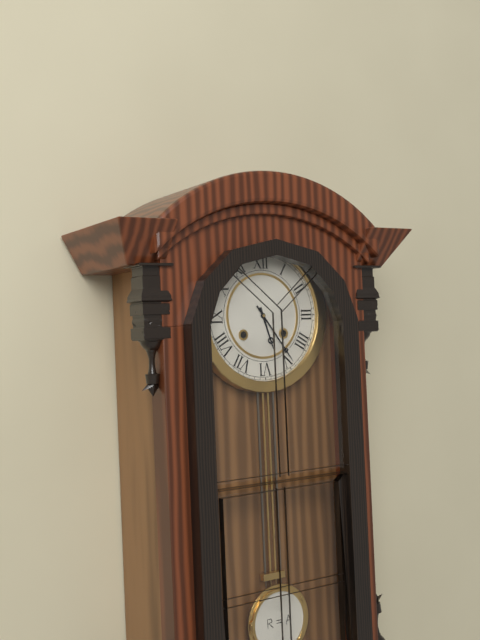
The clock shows 5h24
